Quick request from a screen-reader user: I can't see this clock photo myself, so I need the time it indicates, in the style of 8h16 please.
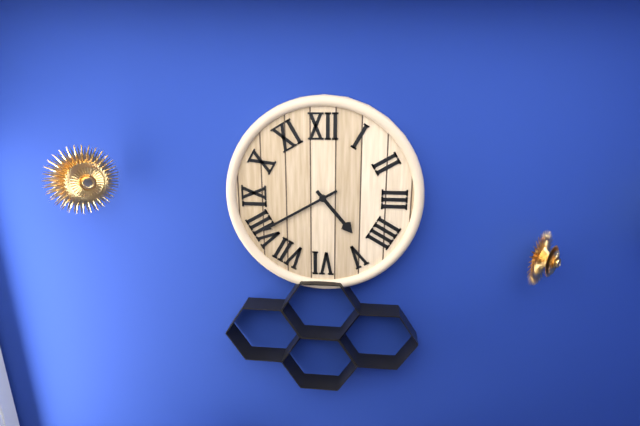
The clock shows 4h40
